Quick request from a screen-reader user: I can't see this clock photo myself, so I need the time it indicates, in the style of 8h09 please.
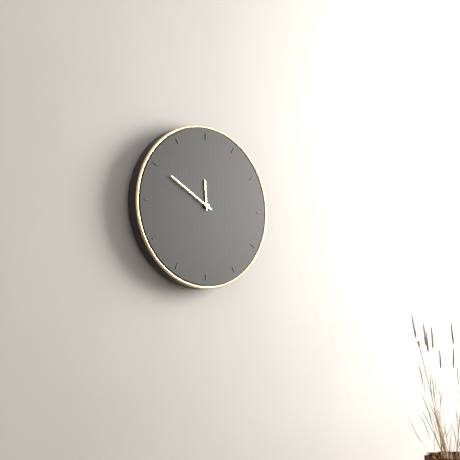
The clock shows 11h50
